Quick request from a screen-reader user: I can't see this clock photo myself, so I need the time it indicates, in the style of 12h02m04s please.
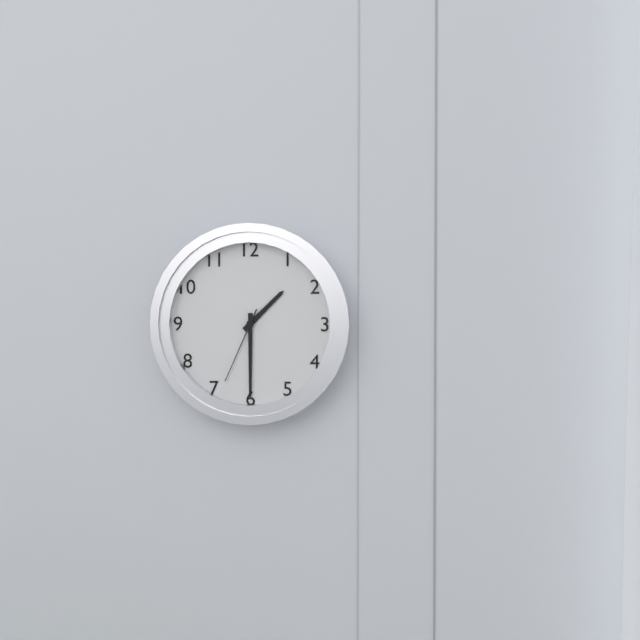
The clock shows 1h30m34s
